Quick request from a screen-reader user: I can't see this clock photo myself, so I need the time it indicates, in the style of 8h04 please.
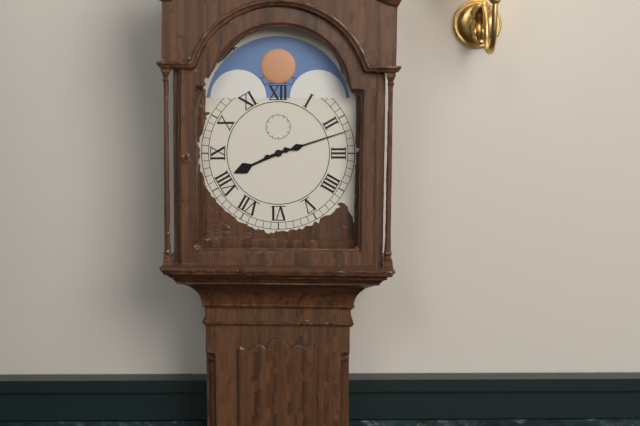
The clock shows 8h12
